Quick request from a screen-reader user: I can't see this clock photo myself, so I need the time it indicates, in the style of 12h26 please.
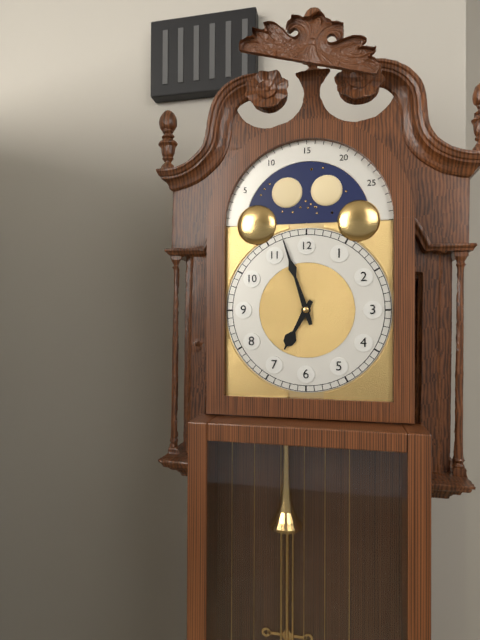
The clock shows 6h57
